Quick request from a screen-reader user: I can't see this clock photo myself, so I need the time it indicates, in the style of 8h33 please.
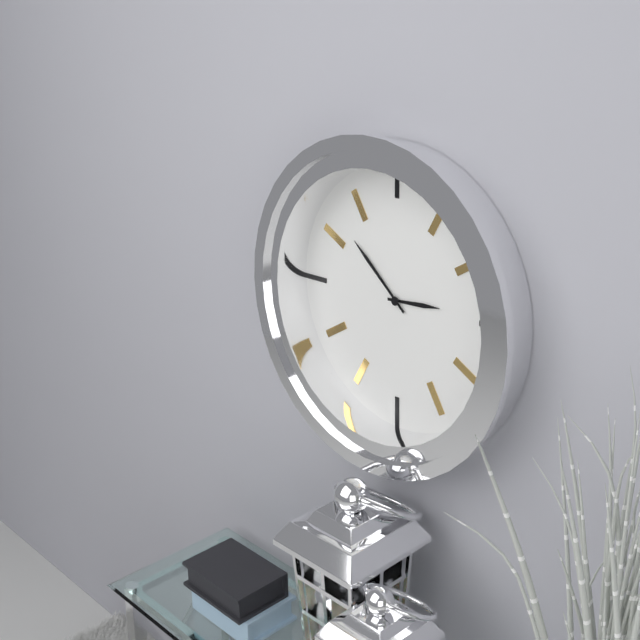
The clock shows 2h52
